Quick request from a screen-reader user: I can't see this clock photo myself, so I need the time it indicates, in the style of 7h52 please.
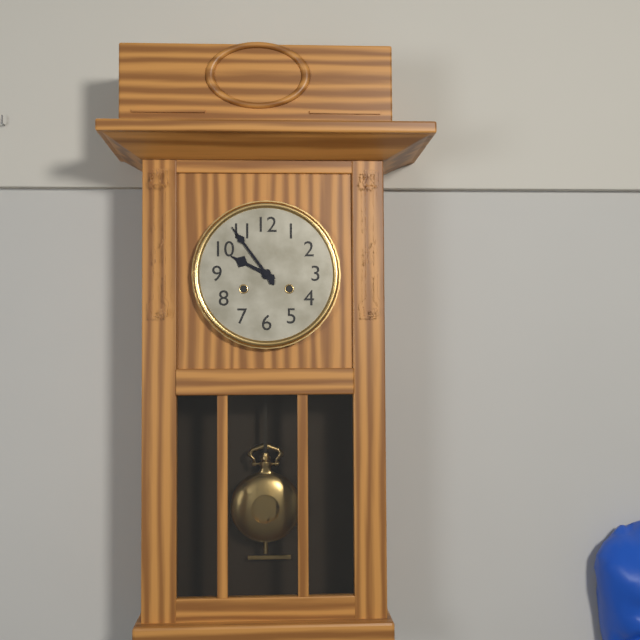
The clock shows 9h54
